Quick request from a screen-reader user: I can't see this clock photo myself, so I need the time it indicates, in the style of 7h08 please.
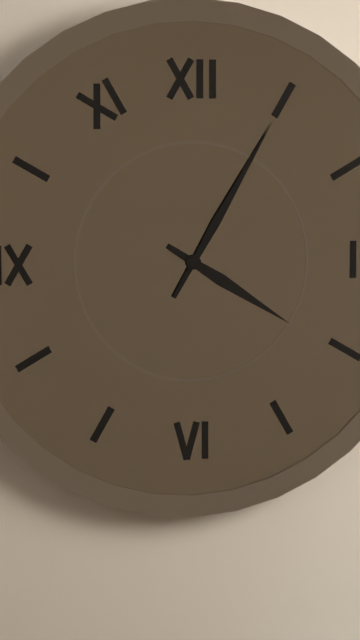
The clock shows 4h05
